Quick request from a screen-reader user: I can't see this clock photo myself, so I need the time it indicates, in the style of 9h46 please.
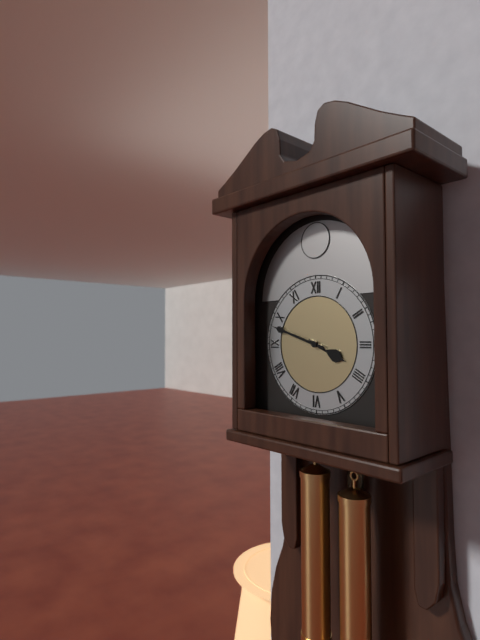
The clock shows 3h48
